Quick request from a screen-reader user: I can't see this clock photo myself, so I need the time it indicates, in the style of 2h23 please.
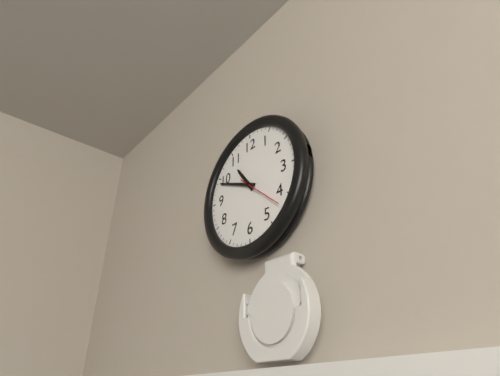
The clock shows 10h49
